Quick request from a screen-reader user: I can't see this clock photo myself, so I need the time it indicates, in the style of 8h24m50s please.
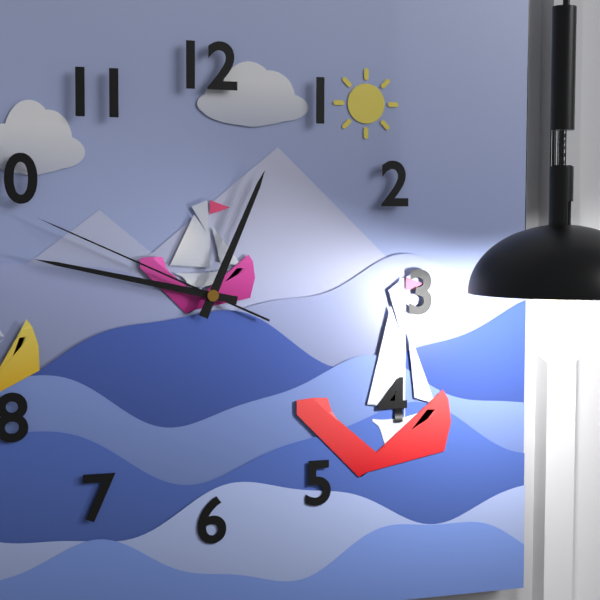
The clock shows 12h47m49s
